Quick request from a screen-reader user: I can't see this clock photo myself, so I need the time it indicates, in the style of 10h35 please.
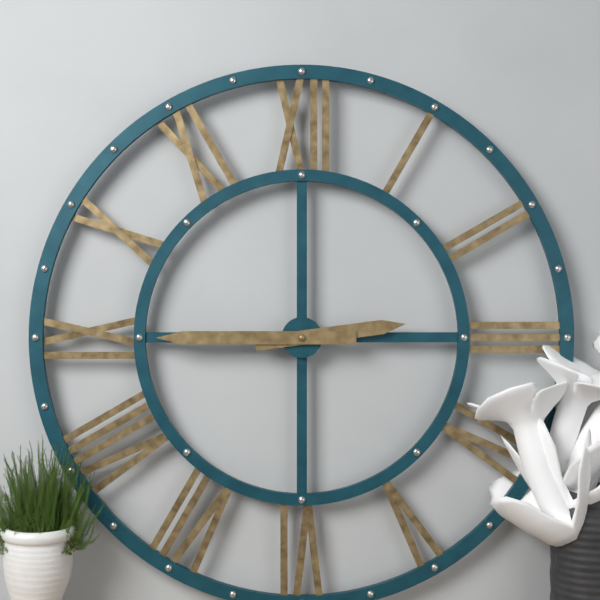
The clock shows 2h45
